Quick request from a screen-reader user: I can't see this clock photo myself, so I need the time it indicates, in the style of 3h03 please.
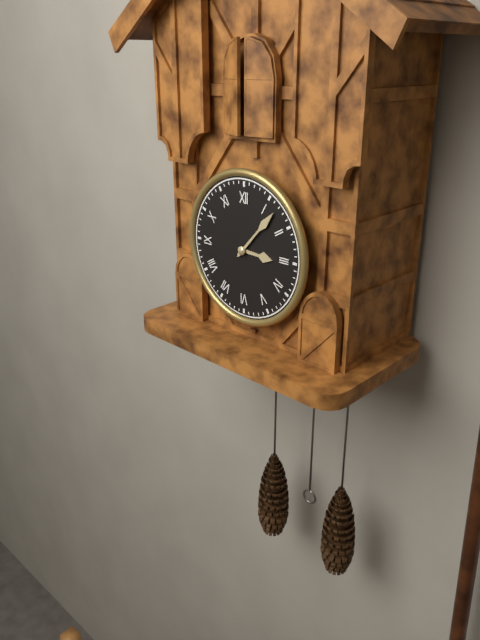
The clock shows 3h07
